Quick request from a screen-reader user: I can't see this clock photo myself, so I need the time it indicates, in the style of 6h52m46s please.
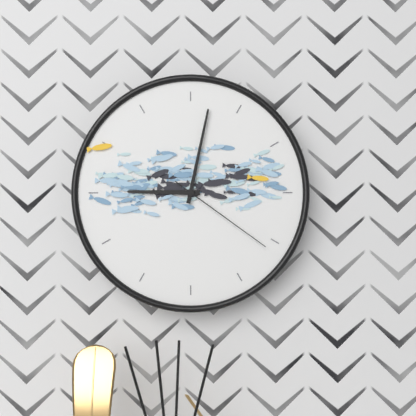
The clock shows 9h02m21s
